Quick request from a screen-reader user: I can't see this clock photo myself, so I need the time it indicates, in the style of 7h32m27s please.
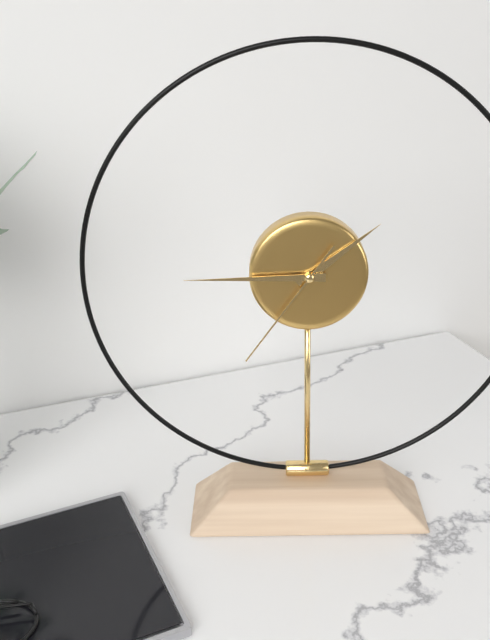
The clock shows 1h45m36s
